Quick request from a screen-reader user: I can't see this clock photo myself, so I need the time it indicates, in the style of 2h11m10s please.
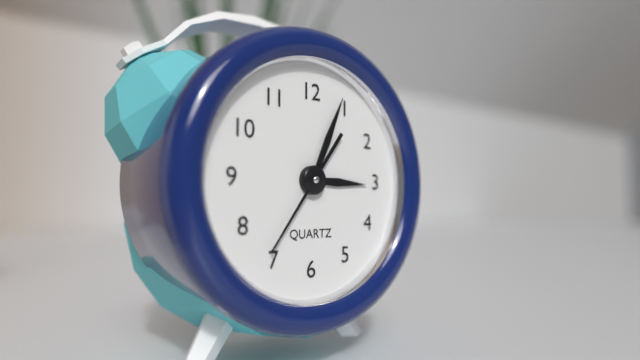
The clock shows 3h04m36s
